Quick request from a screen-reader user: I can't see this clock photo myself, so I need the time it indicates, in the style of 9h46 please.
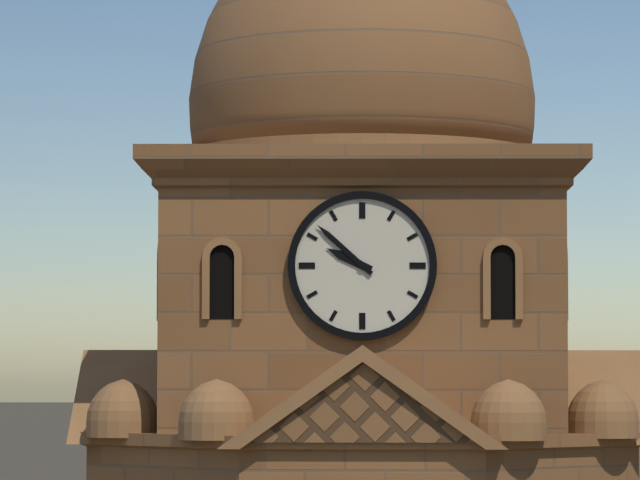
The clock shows 9h52
